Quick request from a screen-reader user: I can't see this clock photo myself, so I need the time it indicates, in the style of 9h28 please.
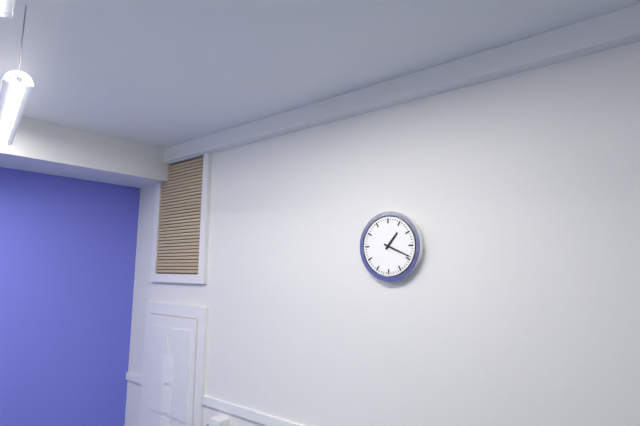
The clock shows 1h19
